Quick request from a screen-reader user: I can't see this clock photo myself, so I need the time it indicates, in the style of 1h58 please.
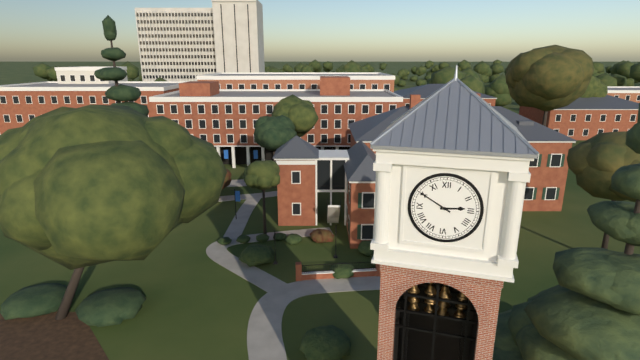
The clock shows 2h50
